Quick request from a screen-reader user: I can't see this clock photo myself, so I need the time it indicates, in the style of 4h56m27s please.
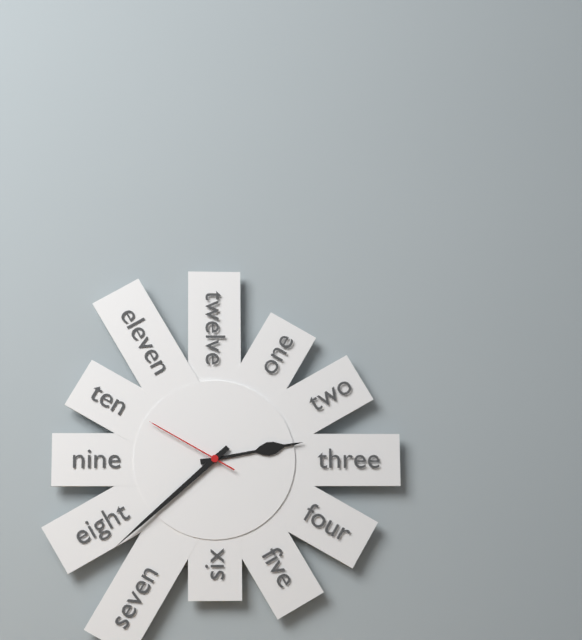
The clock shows 2h38m50s
